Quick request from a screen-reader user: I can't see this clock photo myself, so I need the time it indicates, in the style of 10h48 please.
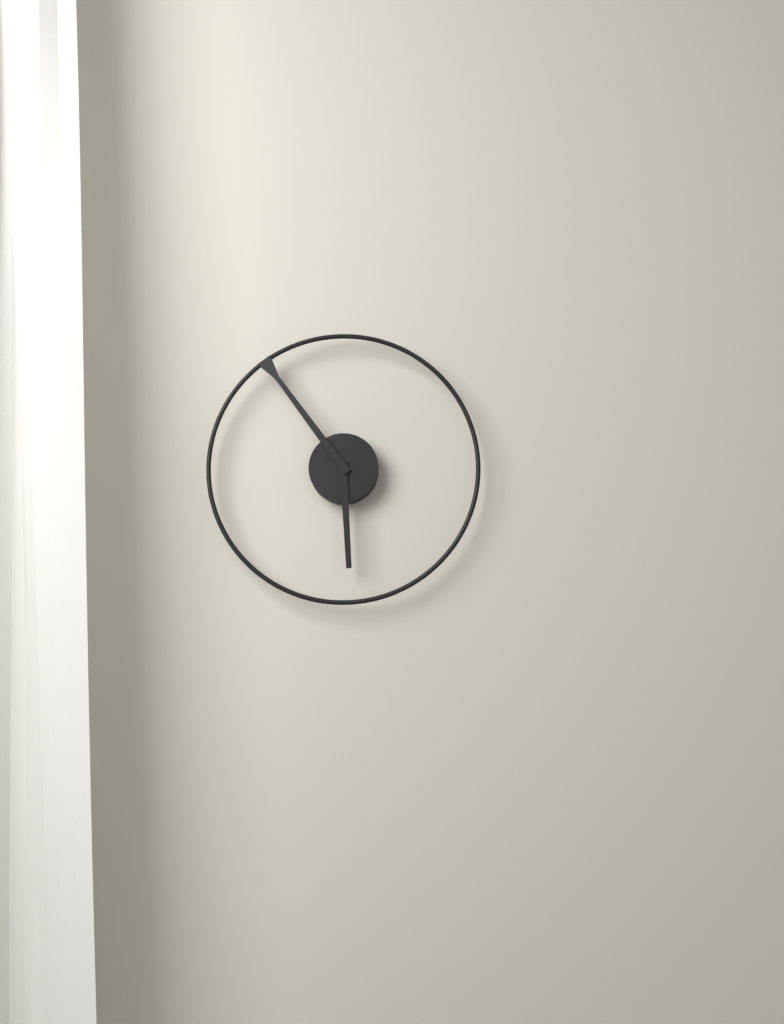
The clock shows 5h54
